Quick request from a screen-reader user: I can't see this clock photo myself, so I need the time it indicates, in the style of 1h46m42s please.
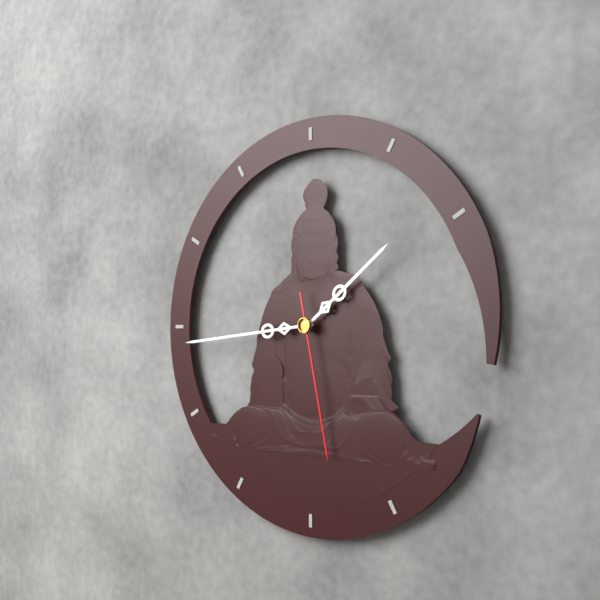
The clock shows 1h44m28s
